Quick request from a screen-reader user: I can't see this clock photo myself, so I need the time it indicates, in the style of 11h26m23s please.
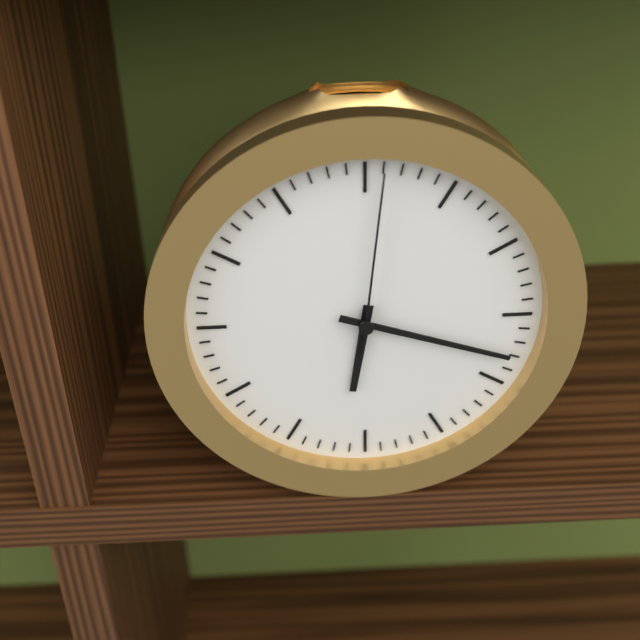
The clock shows 6h18m01s
